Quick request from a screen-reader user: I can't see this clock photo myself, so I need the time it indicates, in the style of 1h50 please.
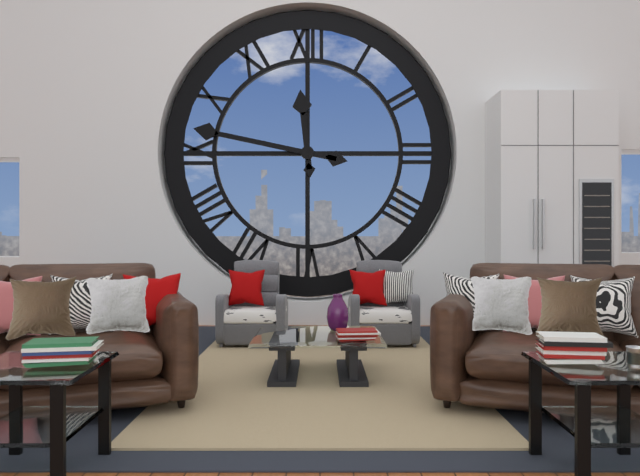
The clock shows 11h47
